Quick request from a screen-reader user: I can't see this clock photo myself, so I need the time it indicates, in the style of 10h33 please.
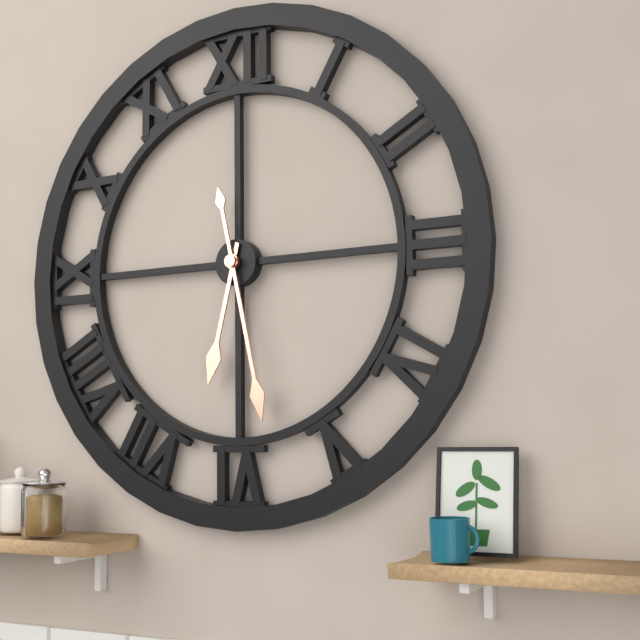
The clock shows 6h28
